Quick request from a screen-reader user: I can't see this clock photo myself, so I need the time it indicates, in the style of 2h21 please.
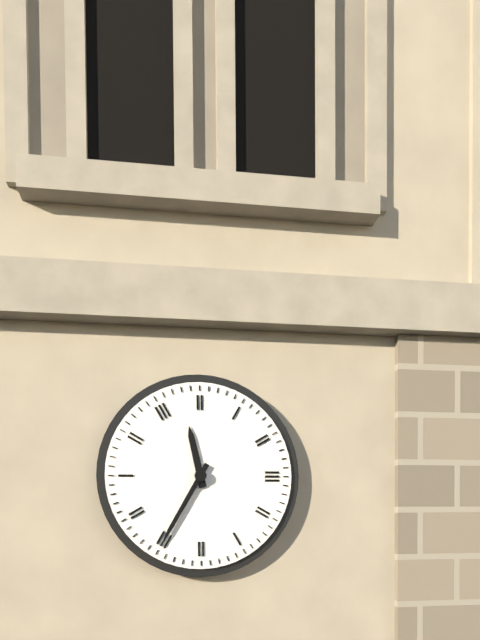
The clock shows 11h35
